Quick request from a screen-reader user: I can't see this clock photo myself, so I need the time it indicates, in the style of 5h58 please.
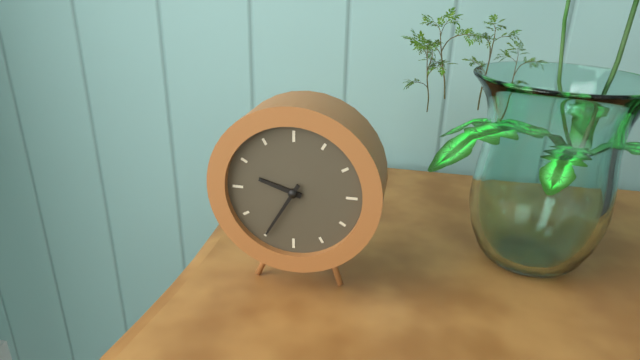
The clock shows 9h35
